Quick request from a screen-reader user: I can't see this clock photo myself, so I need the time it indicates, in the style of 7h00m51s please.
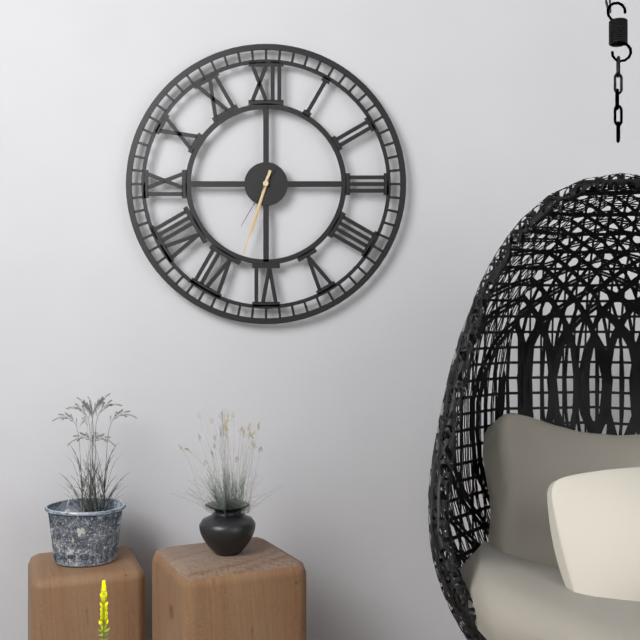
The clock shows 6h33m35s
